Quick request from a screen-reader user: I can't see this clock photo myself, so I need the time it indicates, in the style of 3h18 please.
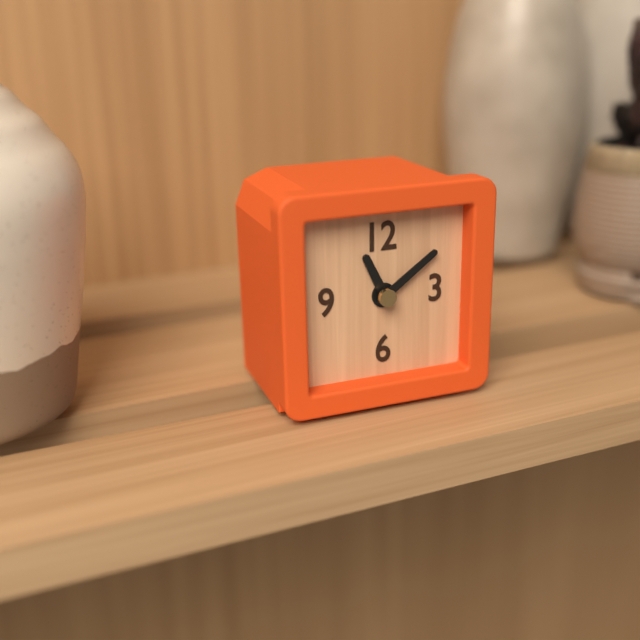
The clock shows 11h09
